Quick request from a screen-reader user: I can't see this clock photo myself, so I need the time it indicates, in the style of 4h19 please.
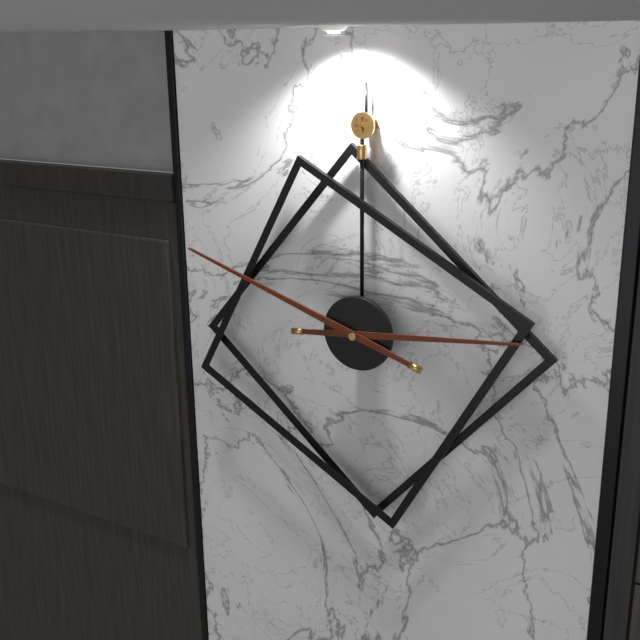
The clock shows 2h48
